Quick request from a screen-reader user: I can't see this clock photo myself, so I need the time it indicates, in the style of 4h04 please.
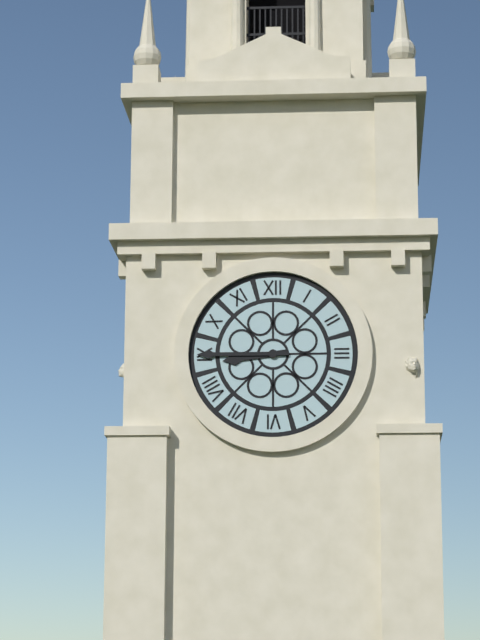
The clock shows 8h45
